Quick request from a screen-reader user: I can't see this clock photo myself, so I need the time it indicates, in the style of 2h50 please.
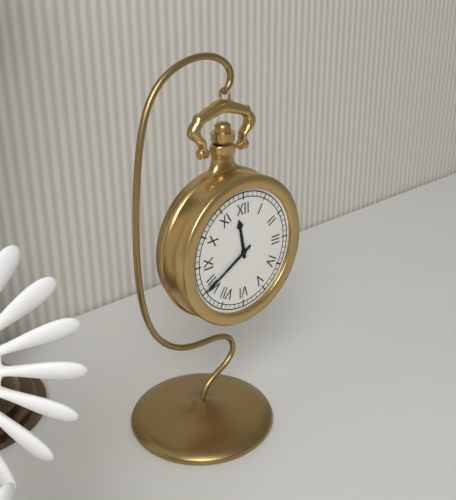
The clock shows 11h40
